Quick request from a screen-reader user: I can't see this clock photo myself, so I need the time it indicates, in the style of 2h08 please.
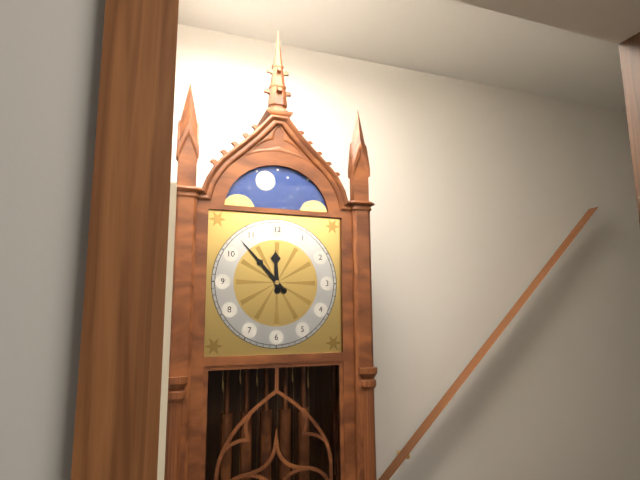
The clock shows 11h53
